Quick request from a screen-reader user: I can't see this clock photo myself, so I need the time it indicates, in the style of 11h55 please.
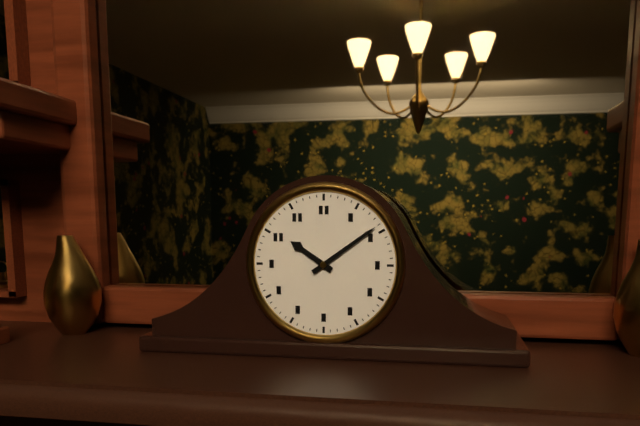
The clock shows 10h09
